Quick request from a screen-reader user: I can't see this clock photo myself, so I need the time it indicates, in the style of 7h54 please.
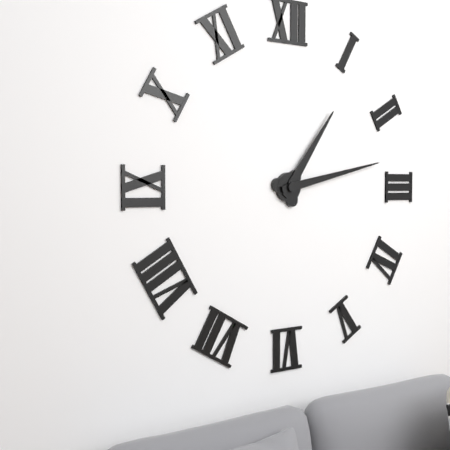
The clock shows 1h13
